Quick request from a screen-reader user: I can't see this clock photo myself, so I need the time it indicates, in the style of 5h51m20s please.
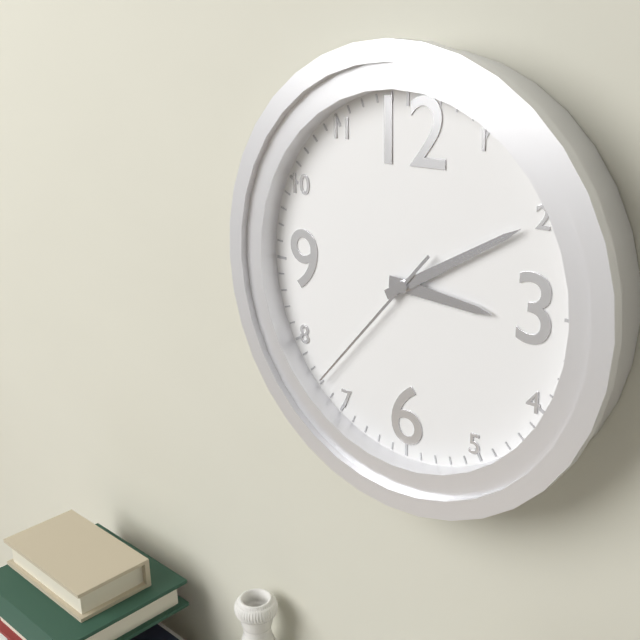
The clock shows 3h10m37s
